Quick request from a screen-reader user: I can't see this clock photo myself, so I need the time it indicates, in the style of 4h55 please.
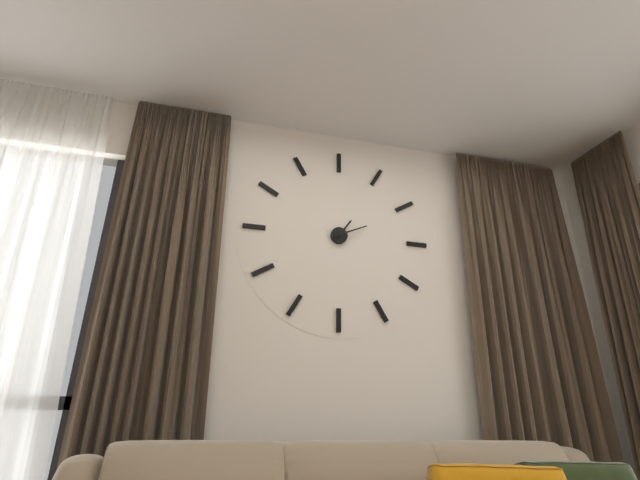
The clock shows 1h11
